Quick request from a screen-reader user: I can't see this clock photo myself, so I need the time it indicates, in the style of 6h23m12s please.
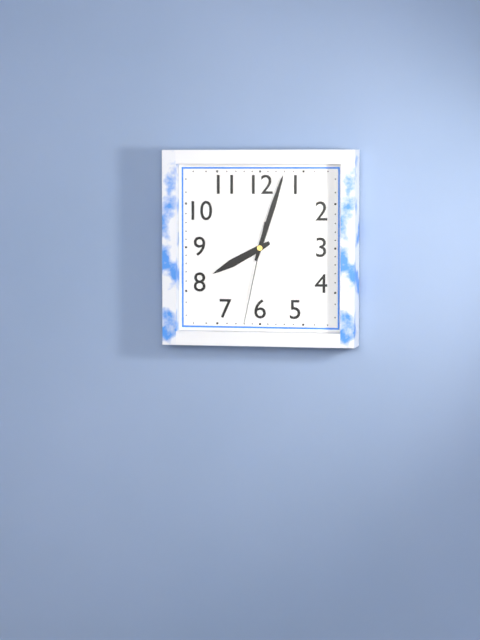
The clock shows 8h03m32s
